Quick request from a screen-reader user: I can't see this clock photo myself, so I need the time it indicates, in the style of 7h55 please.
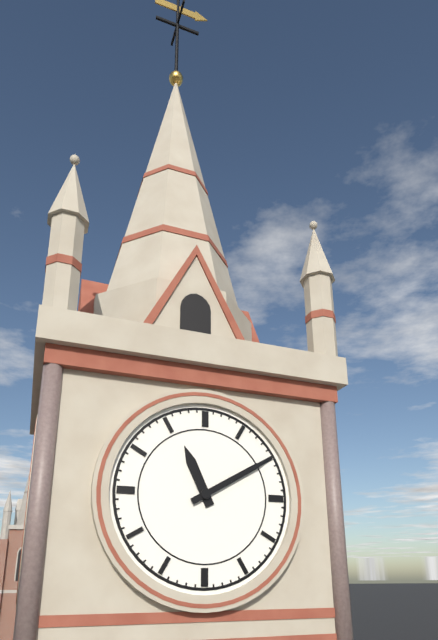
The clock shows 11h10
